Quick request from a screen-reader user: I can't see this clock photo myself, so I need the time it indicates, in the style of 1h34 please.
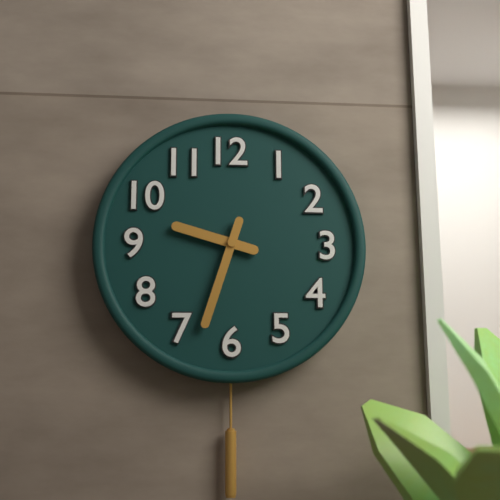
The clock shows 9h33
